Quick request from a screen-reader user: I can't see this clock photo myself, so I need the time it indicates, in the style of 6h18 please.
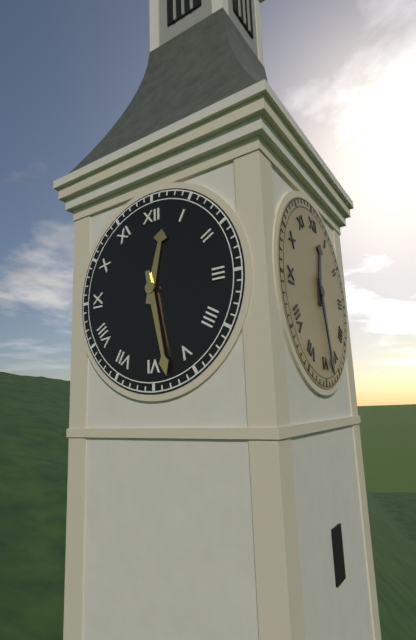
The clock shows 12h28
